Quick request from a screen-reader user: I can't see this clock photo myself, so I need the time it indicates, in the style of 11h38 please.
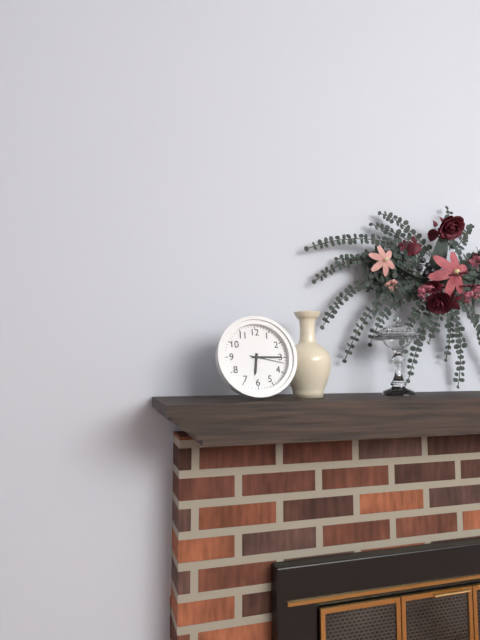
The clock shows 6h15
